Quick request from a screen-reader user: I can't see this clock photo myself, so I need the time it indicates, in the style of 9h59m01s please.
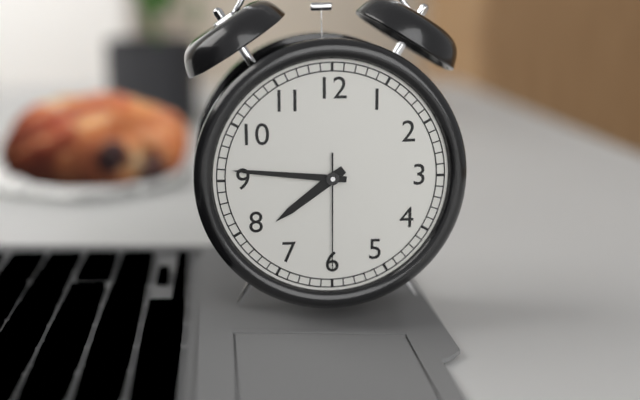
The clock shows 7h46m30s
